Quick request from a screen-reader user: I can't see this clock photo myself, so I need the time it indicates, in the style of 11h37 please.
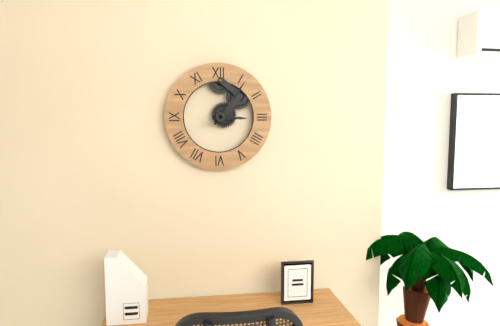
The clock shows 3h06
